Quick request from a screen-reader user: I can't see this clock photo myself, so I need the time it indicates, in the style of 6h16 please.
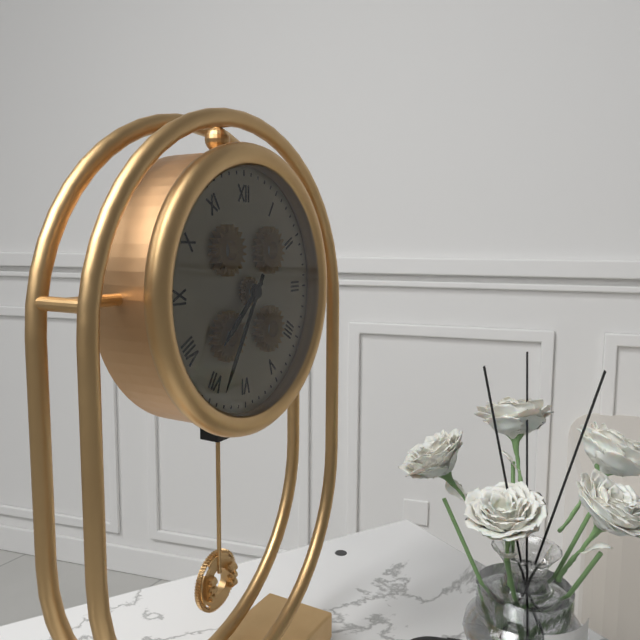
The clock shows 7h35
